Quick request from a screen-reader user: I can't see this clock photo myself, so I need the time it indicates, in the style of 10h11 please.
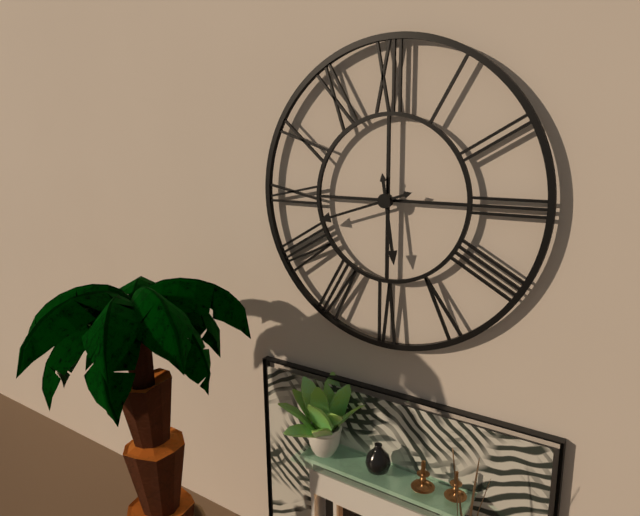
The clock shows 5h42
